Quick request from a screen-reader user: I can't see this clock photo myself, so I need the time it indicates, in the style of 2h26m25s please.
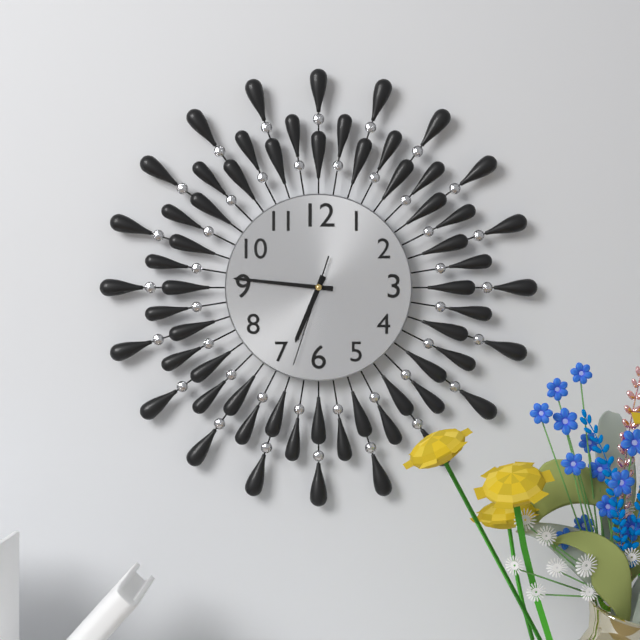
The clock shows 6h46m33s
